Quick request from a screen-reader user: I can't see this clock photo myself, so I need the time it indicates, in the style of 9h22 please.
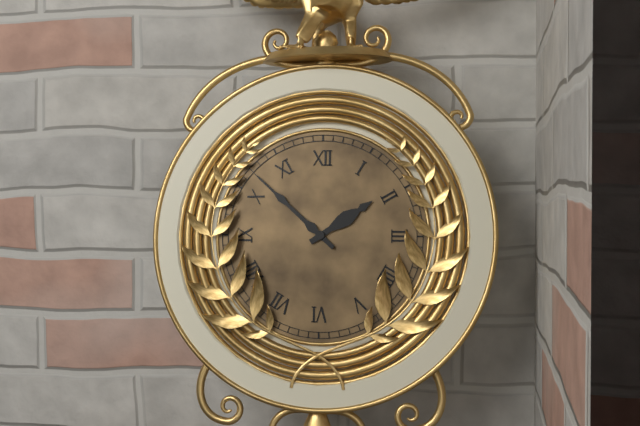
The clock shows 1h52
